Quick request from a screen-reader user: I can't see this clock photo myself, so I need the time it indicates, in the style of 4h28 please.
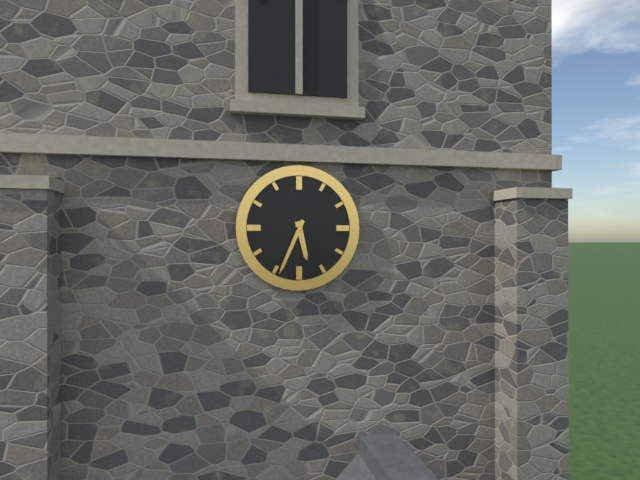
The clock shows 5h34
